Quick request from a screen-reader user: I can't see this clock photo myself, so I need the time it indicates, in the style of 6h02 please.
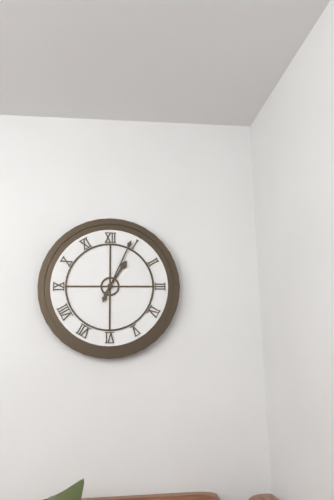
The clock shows 1h04
